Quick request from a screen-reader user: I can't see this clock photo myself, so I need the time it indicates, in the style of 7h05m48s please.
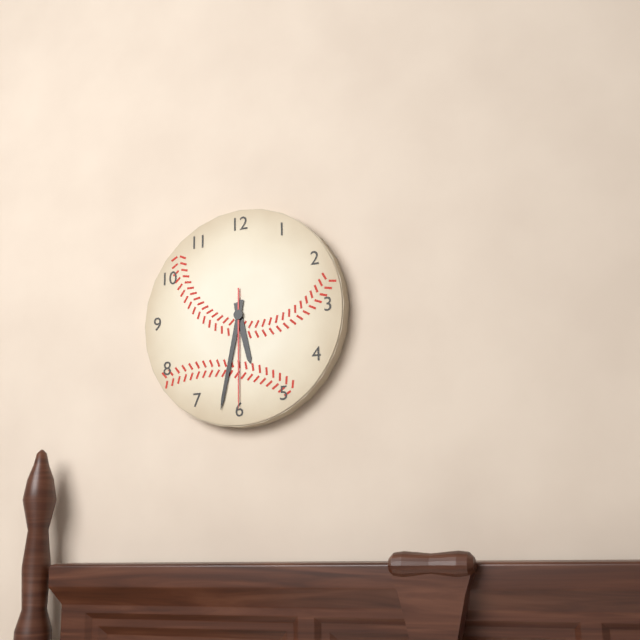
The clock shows 5h32m30s
